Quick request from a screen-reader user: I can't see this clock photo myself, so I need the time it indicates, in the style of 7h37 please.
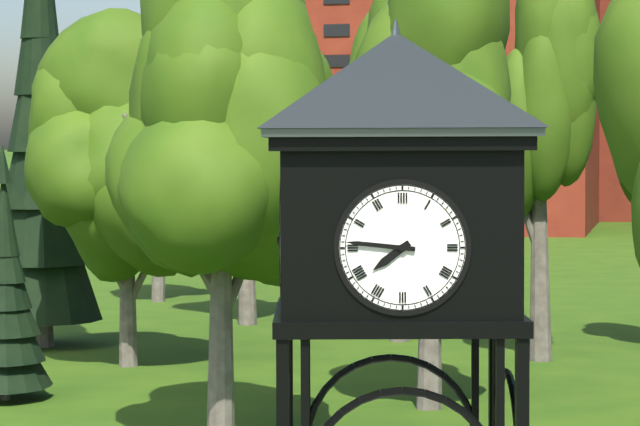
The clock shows 7h46
